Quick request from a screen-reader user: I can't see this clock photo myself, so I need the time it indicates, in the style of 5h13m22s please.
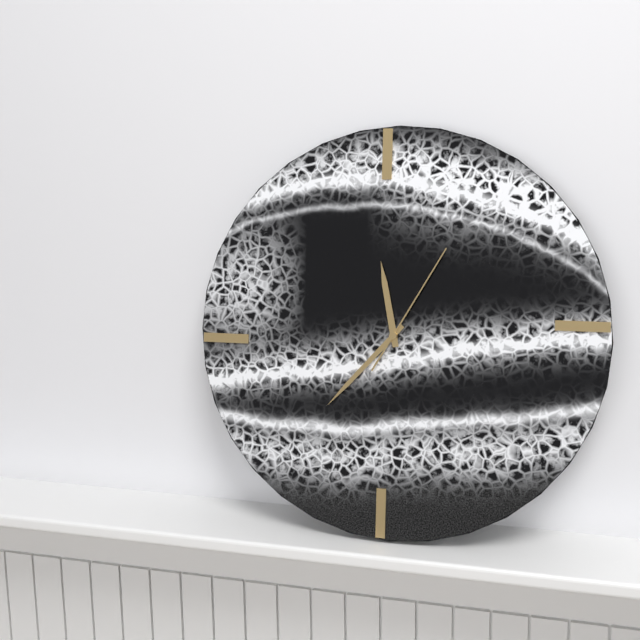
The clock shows 11h37m05s
